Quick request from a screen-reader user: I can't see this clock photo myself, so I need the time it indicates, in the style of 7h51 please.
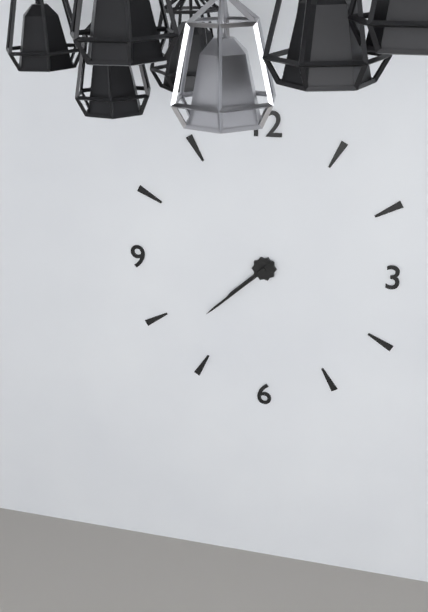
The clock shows 7h38
